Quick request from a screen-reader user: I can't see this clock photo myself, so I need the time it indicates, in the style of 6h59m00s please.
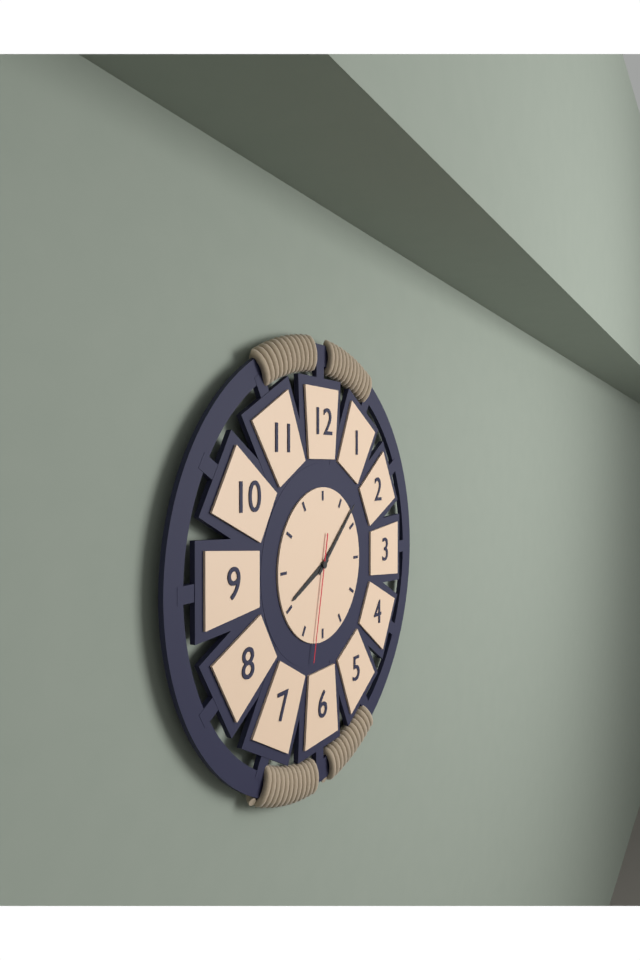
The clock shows 8h08m32s
